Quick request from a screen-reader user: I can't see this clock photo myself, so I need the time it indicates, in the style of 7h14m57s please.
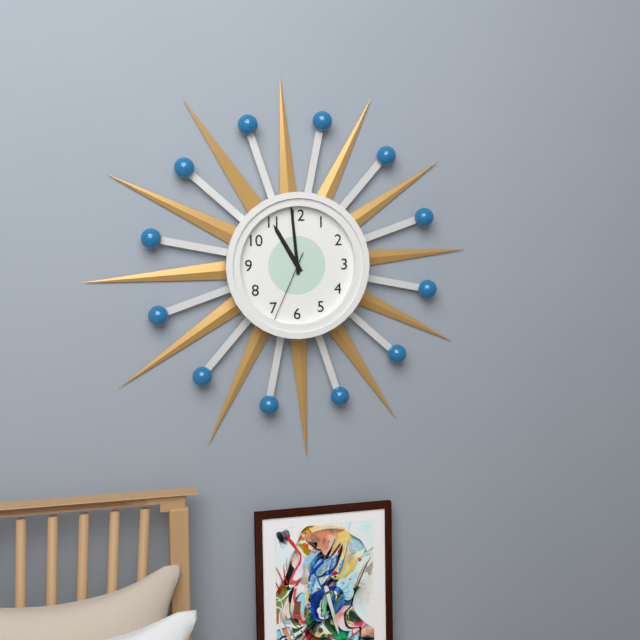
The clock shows 10h59m34s
